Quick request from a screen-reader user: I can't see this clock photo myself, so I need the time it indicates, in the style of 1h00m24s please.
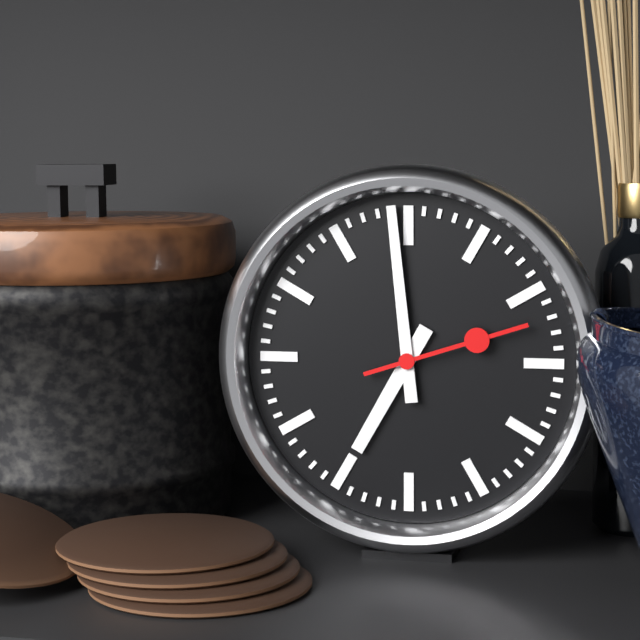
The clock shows 6h59m12s
